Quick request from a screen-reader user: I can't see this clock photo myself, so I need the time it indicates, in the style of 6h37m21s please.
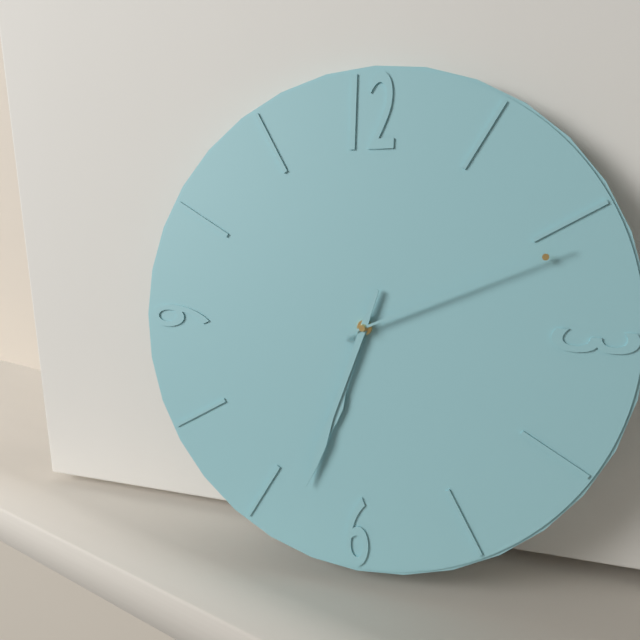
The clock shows 6h33m11s
